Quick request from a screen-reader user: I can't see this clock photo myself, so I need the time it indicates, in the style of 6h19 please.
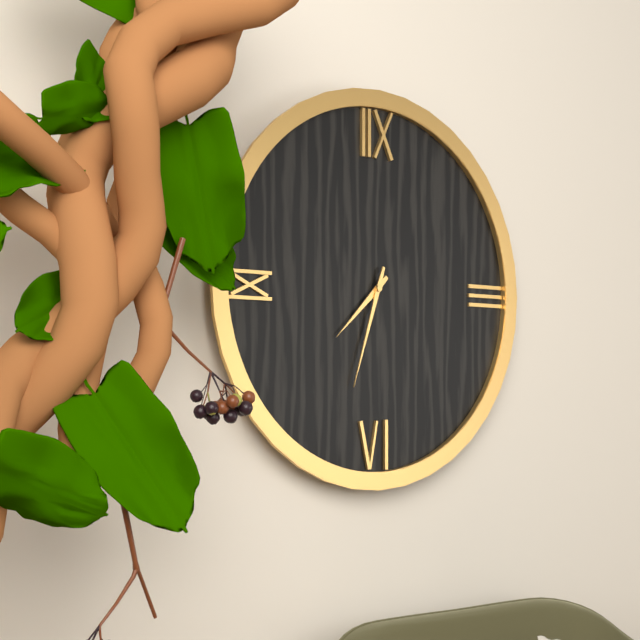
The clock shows 7h33
